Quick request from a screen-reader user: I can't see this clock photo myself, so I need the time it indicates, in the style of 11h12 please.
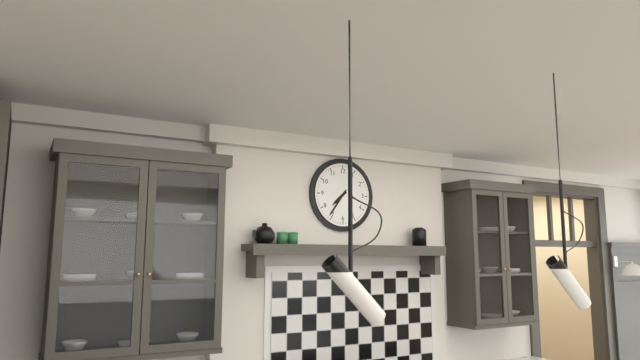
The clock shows 7h36
